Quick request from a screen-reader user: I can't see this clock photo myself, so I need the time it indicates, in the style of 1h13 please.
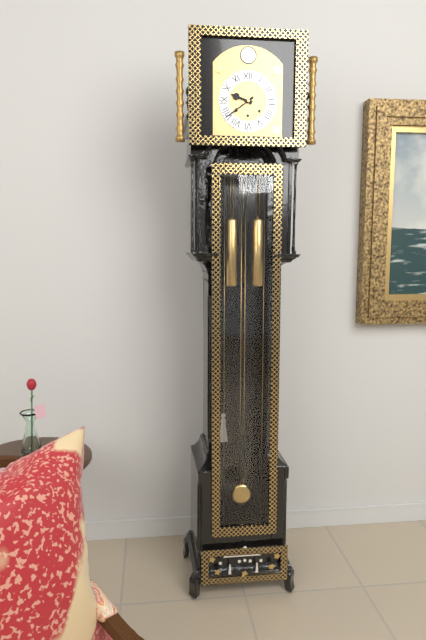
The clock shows 9h39
